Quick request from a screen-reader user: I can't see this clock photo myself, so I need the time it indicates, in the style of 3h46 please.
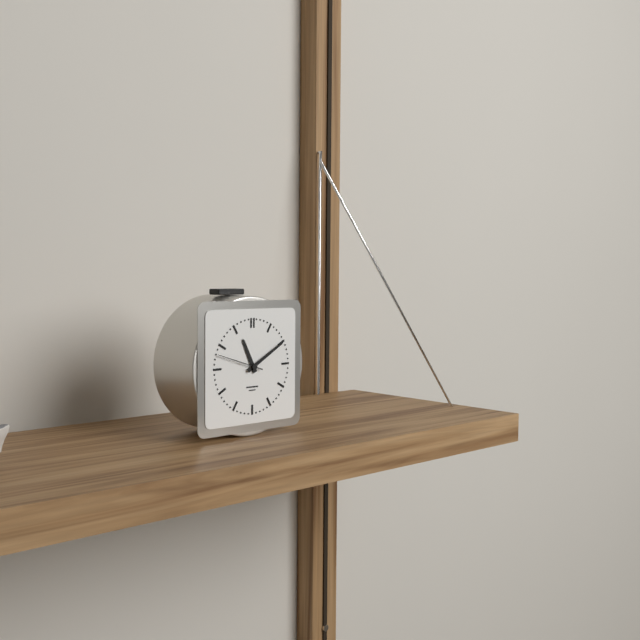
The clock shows 11h10
